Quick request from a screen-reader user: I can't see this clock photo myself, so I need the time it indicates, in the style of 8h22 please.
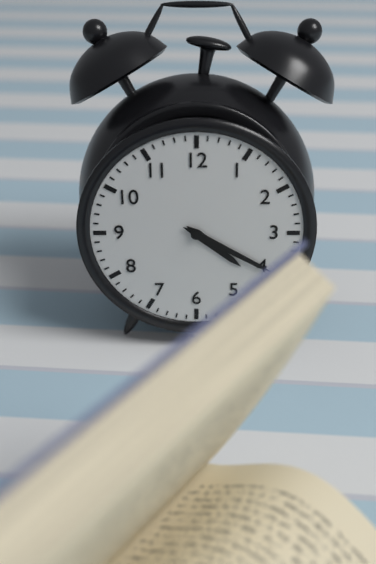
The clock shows 4h20
